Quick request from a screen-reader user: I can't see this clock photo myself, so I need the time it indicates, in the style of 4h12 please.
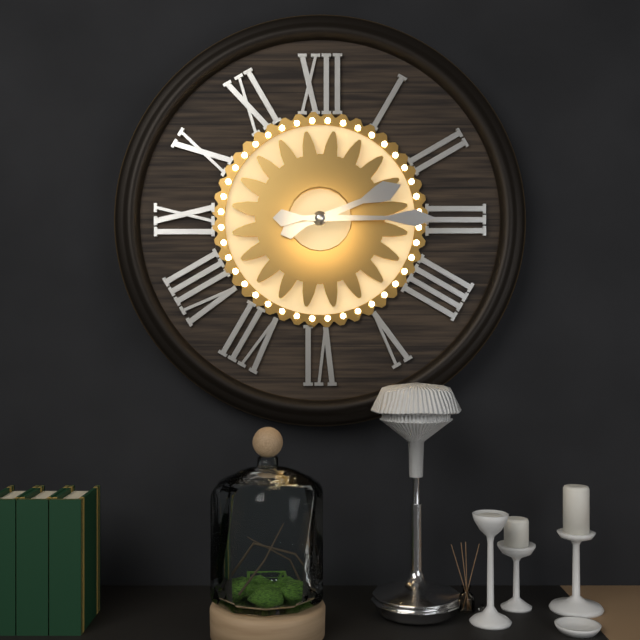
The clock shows 2h15
